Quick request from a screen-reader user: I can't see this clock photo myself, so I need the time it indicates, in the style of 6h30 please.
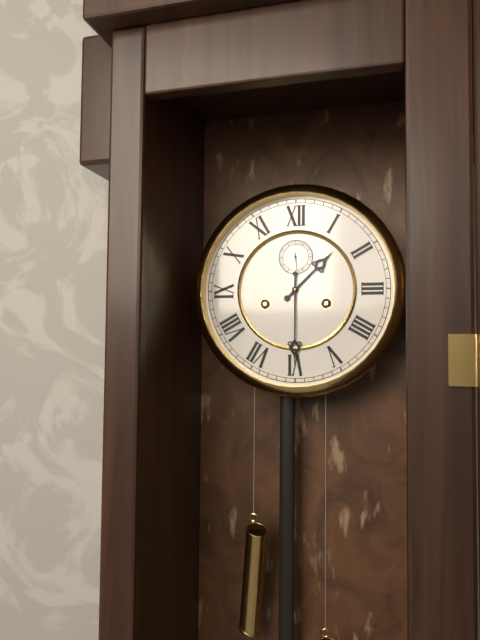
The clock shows 1h30
